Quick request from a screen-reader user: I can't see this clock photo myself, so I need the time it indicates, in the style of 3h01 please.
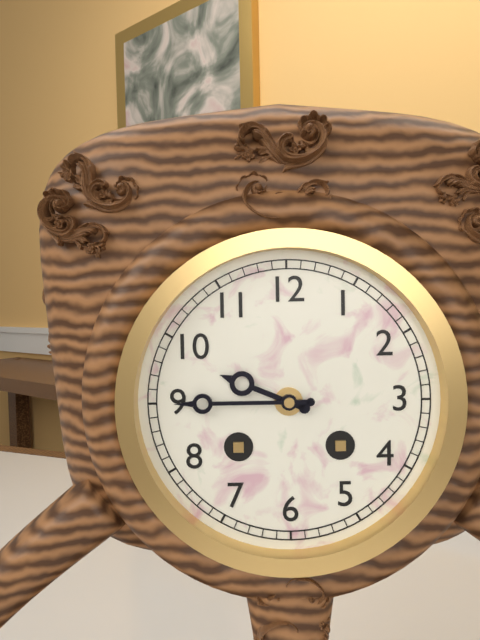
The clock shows 9h45
